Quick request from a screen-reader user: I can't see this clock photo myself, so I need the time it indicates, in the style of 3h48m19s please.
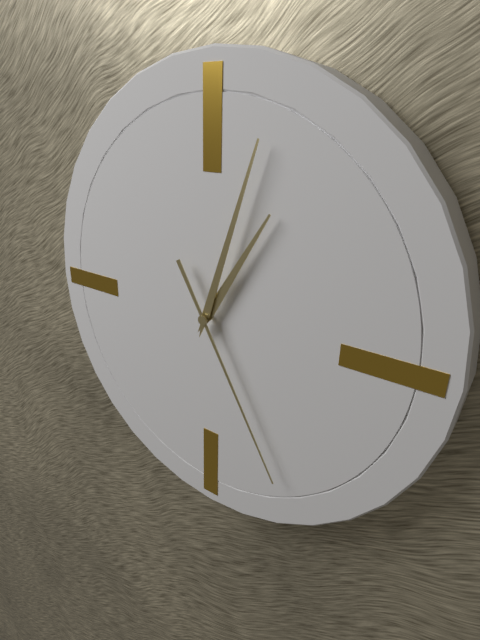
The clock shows 1h03m25s
